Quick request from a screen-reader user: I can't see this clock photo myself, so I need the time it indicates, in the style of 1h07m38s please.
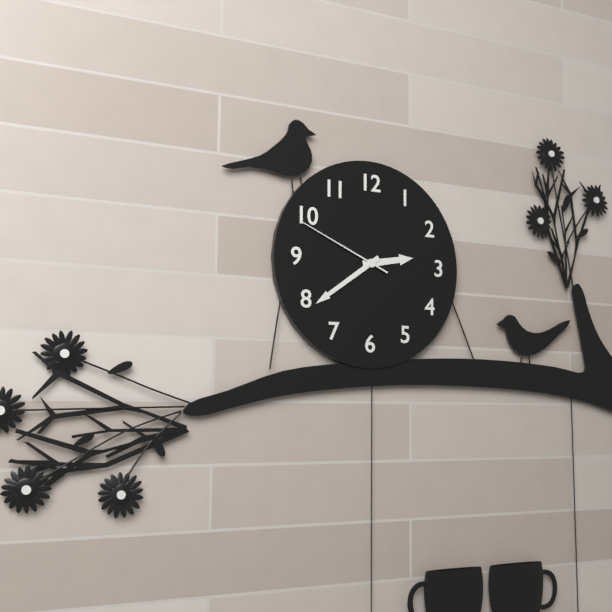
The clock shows 2h39m49s
